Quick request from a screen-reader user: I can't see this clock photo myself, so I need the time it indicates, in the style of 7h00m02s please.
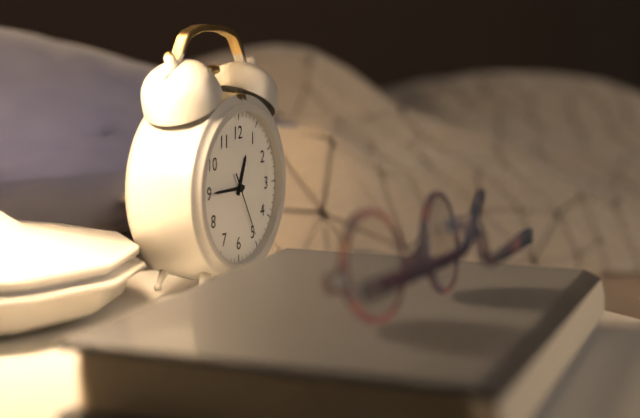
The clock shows 12h45m25s
